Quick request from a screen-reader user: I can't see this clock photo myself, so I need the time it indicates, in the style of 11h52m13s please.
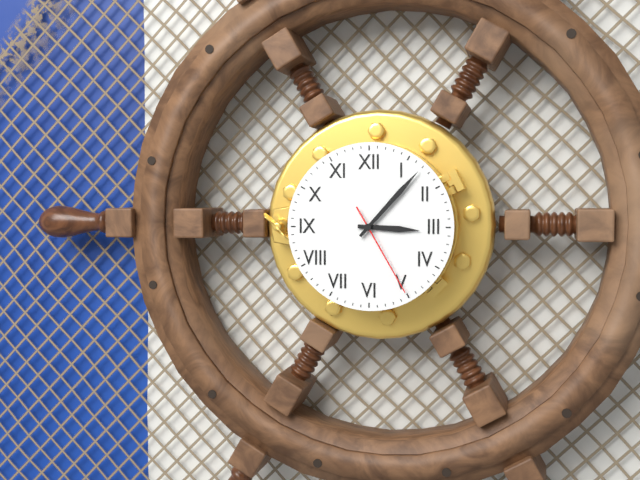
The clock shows 3h07m25s
